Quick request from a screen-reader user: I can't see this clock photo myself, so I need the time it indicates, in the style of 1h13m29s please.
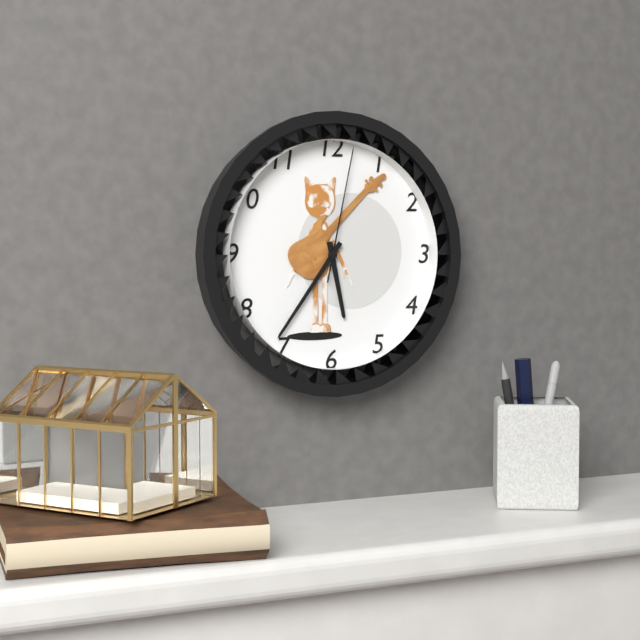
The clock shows 5h36m02s
